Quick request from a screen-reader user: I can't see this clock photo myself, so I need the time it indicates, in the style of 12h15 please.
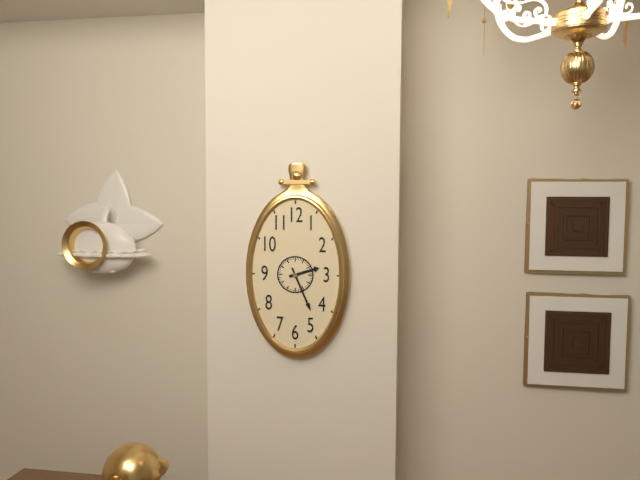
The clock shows 2h26
